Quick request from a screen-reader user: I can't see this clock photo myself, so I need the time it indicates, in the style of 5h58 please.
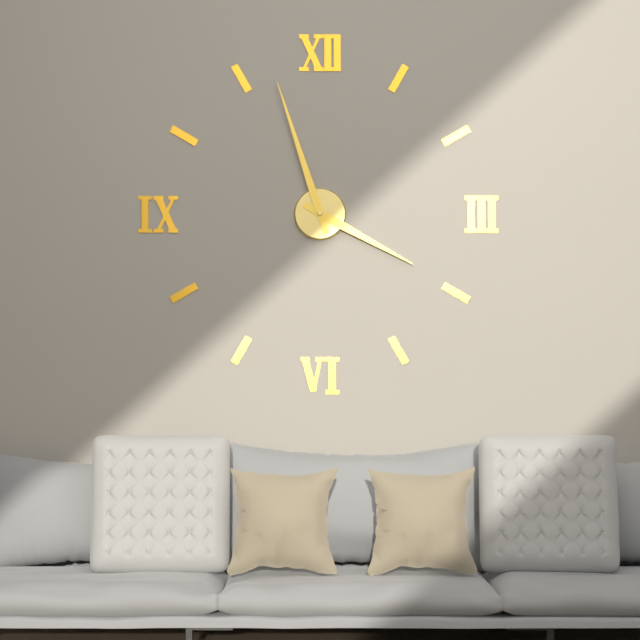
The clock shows 3h57
